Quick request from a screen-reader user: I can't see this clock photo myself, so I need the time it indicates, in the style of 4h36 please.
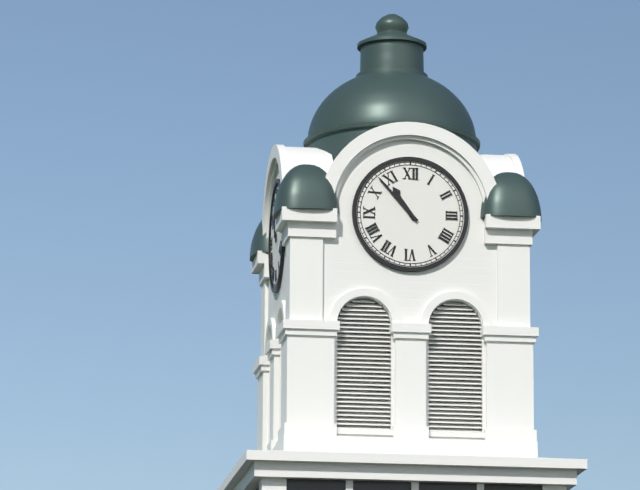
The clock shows 10h53
